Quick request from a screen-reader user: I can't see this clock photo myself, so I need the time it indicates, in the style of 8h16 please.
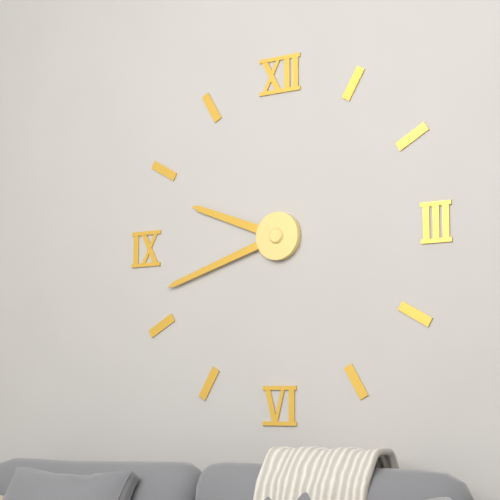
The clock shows 9h42
